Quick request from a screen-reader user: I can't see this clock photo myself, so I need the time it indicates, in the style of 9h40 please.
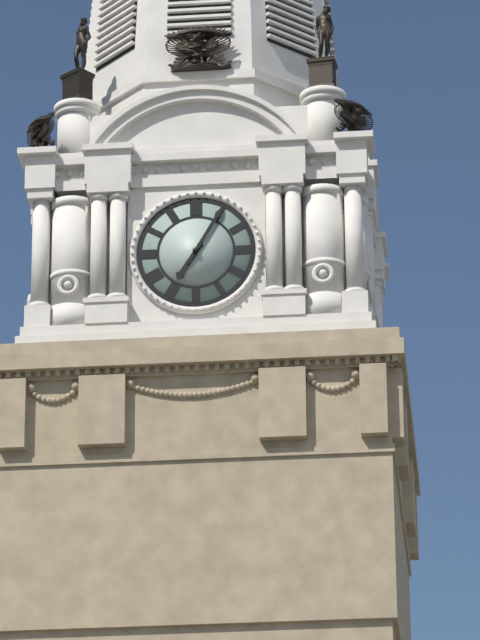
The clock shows 7h05
